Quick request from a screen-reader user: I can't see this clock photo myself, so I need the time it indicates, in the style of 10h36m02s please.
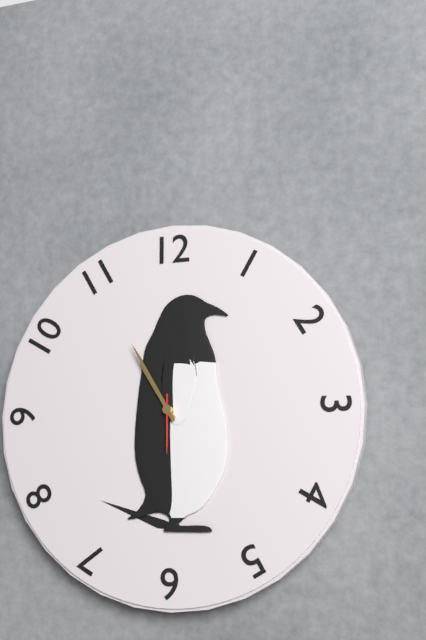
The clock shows 10h55m30s
